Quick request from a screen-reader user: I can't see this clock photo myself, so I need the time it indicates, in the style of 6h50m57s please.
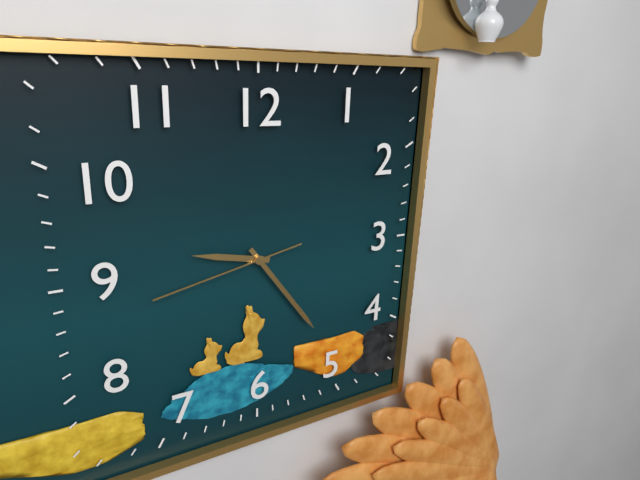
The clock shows 9h24m43s
